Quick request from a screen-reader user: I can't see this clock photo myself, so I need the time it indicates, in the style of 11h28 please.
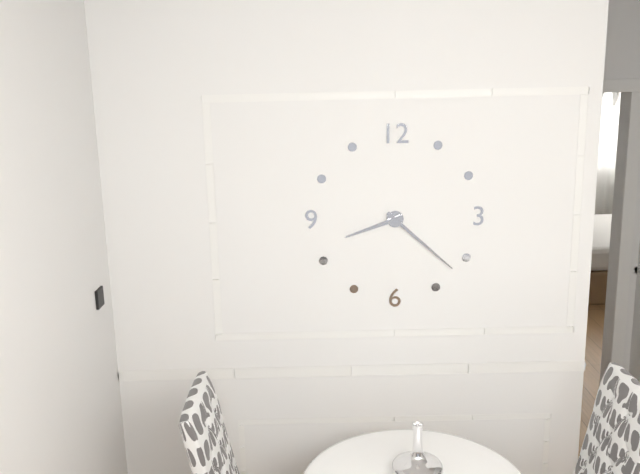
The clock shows 8h22
